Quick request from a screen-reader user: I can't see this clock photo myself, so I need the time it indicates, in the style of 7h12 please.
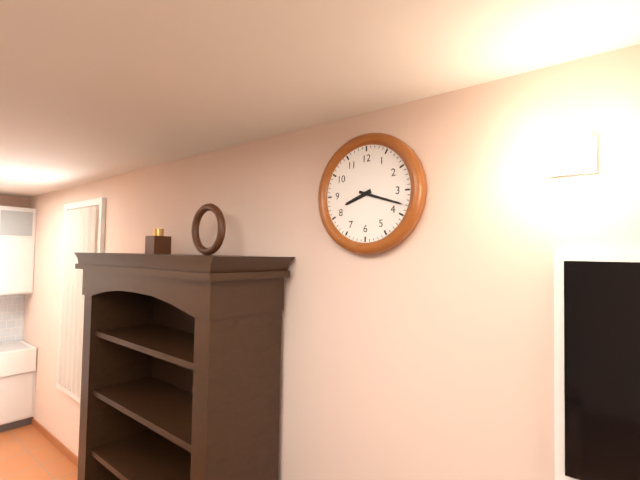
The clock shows 8h18
